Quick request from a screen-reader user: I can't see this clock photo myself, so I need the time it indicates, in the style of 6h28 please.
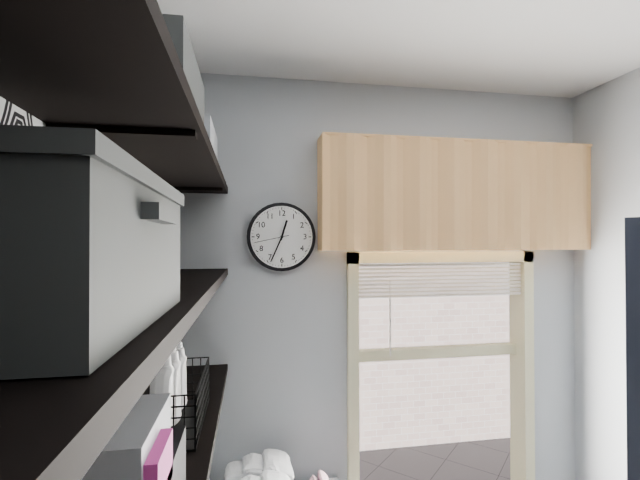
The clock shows 12h34
